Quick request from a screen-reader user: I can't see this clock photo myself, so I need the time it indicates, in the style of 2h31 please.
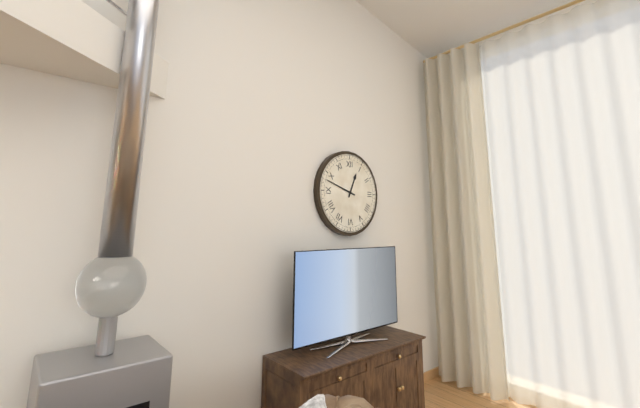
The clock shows 12h48
